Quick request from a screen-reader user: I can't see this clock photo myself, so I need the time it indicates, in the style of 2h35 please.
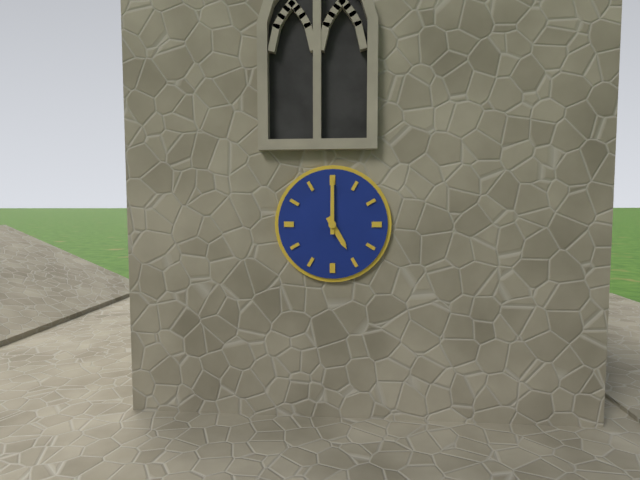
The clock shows 5h00
